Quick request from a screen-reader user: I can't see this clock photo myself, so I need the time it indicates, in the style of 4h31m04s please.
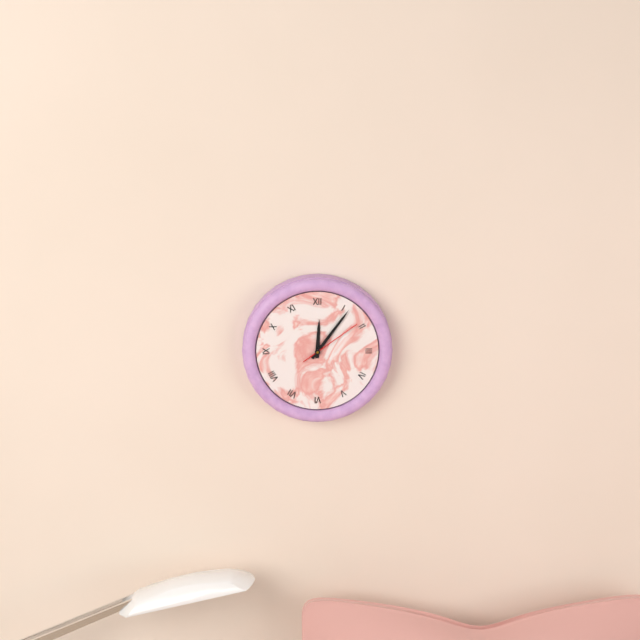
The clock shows 12h06m09s
